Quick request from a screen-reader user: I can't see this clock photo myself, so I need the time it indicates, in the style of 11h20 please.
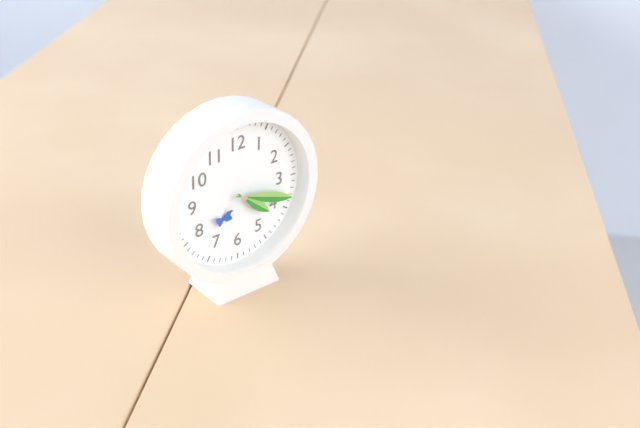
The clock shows 4h18
